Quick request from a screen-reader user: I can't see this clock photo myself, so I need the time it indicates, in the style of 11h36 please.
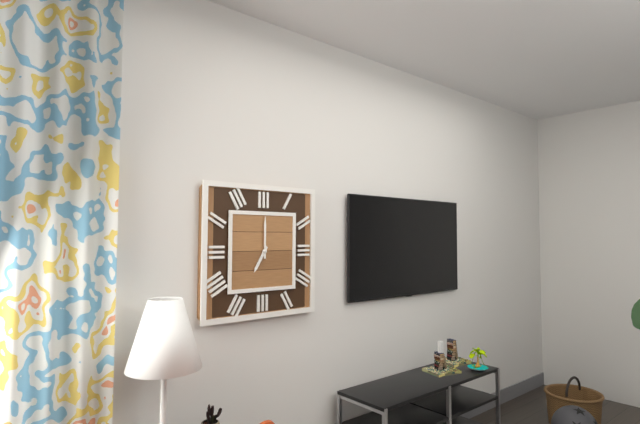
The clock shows 7h00
